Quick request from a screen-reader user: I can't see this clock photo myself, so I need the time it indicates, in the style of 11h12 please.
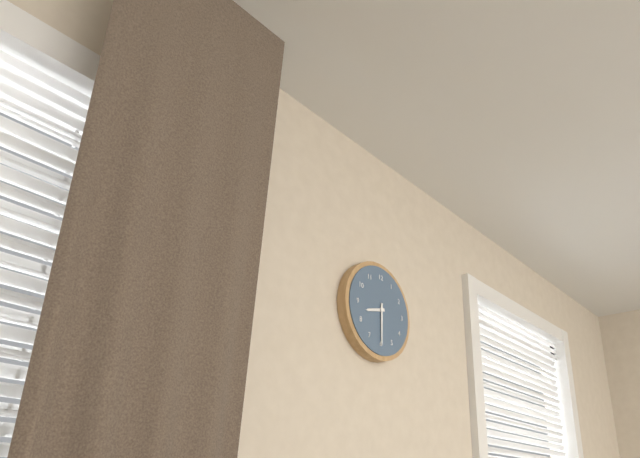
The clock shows 8h30
